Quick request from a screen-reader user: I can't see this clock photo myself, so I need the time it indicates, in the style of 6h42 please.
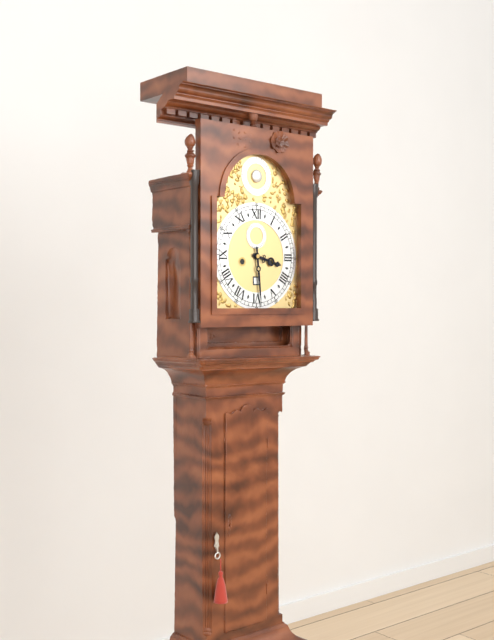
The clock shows 3h29
